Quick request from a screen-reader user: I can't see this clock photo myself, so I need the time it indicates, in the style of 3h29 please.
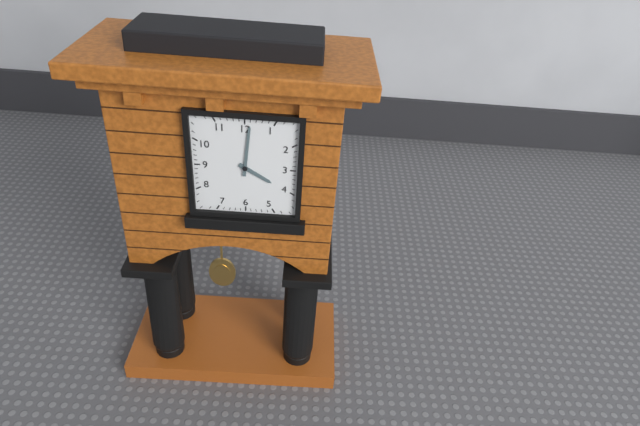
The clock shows 4h01
